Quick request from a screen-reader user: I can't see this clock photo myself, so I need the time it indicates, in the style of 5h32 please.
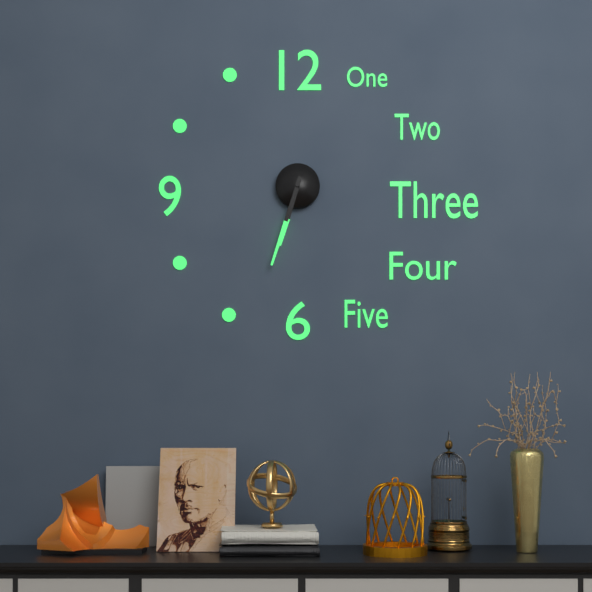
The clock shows 6h33
